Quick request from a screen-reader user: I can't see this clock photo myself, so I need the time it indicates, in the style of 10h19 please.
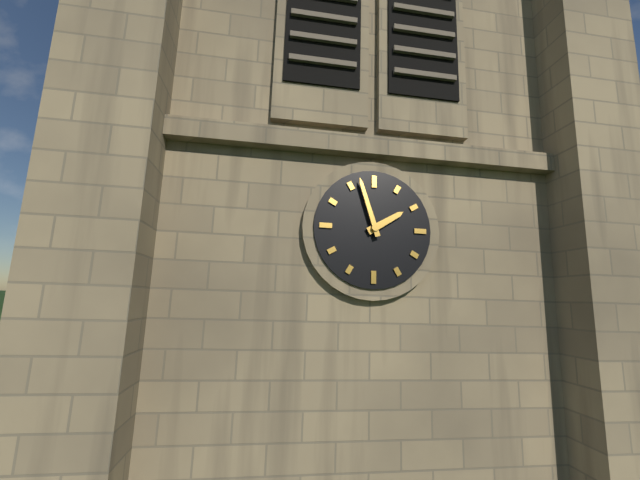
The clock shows 1h57
